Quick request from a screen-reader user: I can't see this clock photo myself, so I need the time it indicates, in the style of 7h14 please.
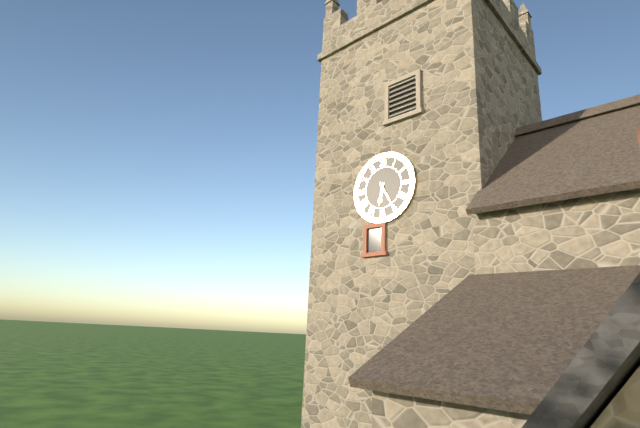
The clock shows 6h25
